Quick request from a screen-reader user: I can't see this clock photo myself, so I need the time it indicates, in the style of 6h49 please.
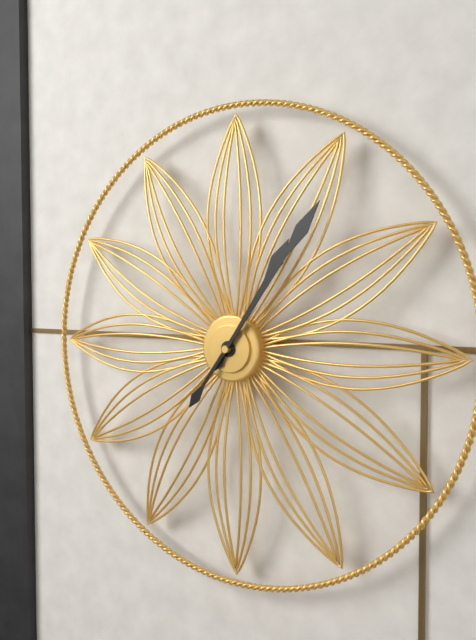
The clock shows 1h06
